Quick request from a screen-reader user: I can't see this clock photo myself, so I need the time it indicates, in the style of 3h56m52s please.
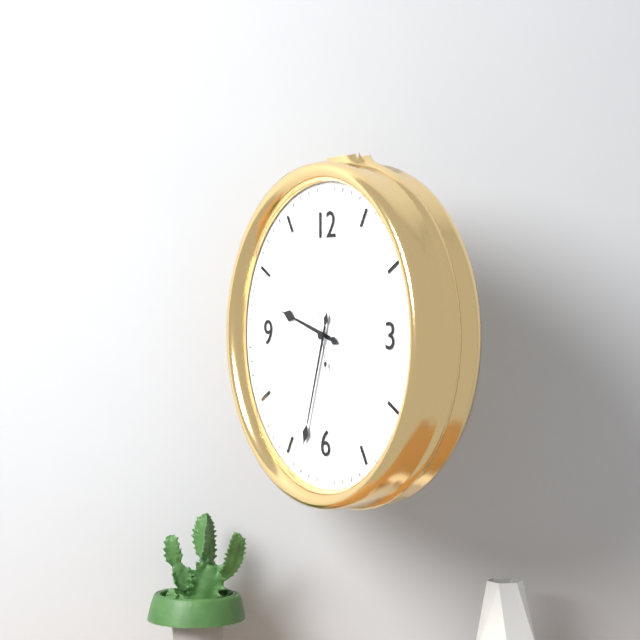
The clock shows 9h33m58s
